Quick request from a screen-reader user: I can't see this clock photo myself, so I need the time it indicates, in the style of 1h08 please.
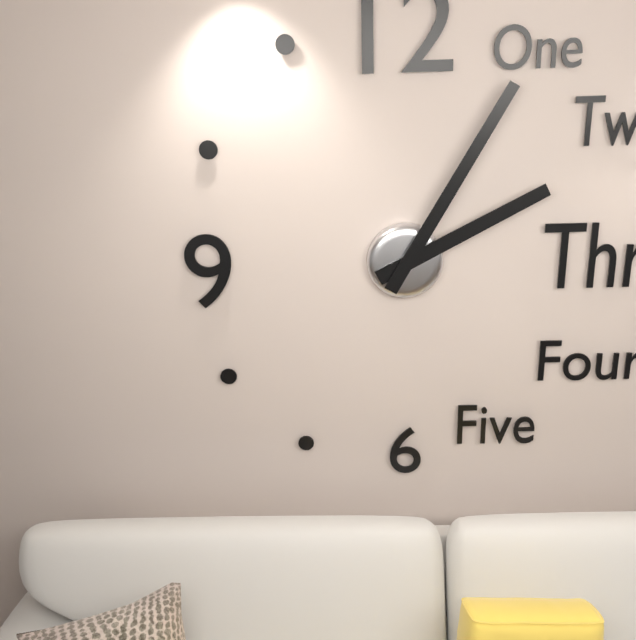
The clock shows 2h05
